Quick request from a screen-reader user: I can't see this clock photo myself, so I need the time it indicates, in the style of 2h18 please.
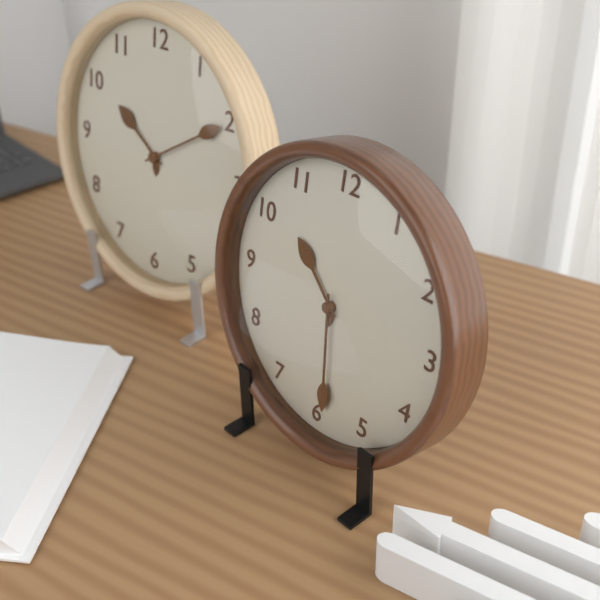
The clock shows 10h29
